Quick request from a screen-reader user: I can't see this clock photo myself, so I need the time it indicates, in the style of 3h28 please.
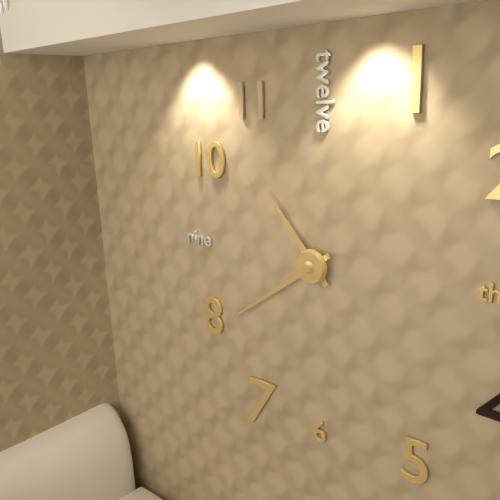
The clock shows 10h39
